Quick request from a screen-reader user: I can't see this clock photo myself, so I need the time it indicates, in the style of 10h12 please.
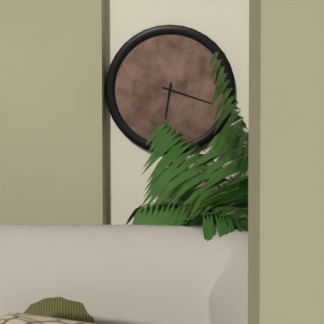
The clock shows 6h18
